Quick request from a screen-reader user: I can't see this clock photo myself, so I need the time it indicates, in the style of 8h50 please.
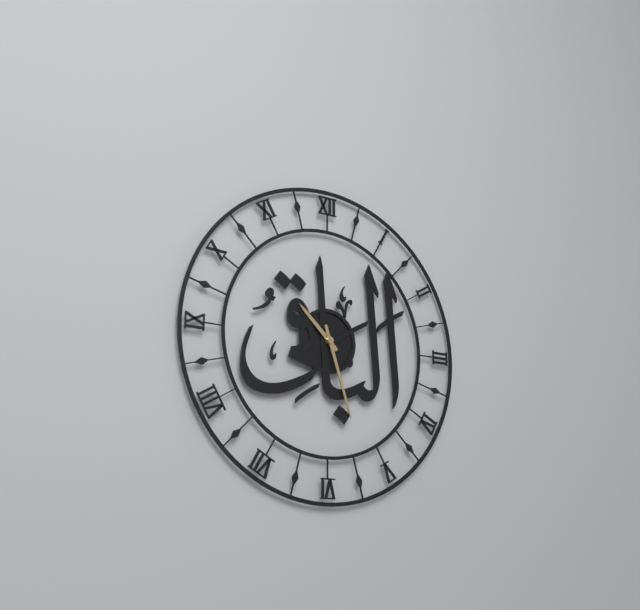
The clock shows 10h27
